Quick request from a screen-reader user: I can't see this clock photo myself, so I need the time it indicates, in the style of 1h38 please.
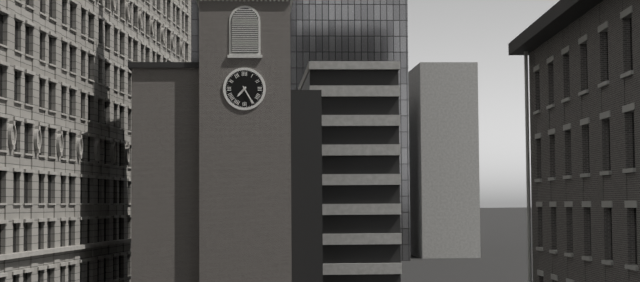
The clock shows 7h25
